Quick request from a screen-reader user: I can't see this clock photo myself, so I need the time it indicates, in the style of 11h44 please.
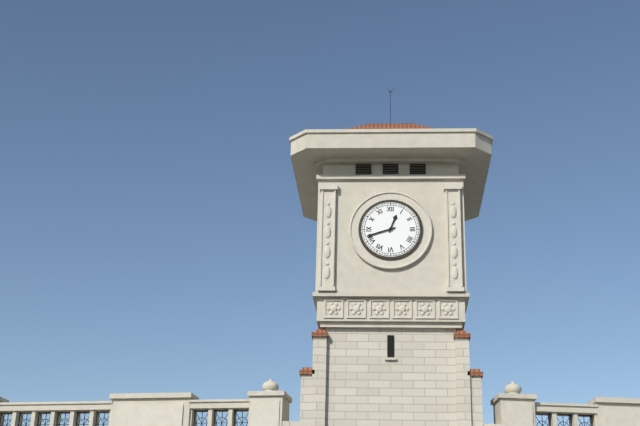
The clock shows 12h42
